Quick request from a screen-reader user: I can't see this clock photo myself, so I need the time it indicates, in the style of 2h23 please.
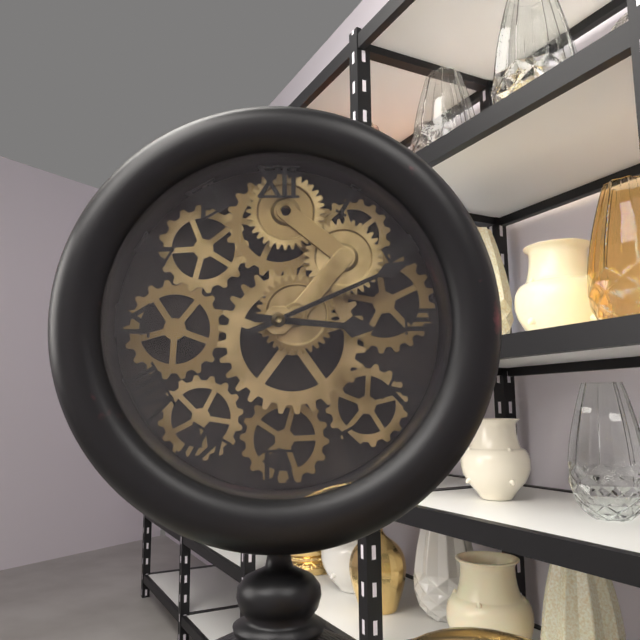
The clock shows 3h11
